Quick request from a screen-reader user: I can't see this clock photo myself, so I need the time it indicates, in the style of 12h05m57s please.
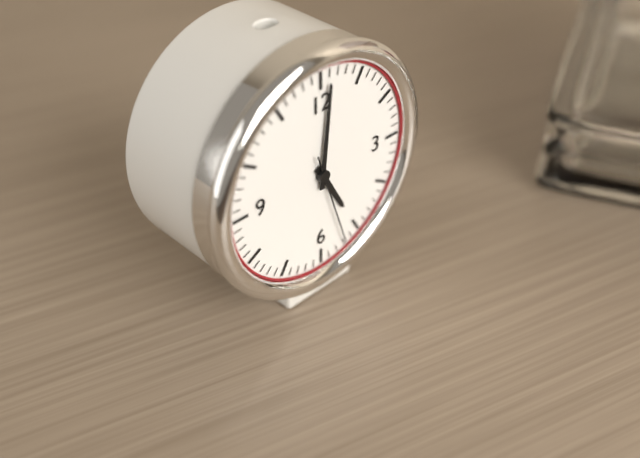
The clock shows 5h01m27s
